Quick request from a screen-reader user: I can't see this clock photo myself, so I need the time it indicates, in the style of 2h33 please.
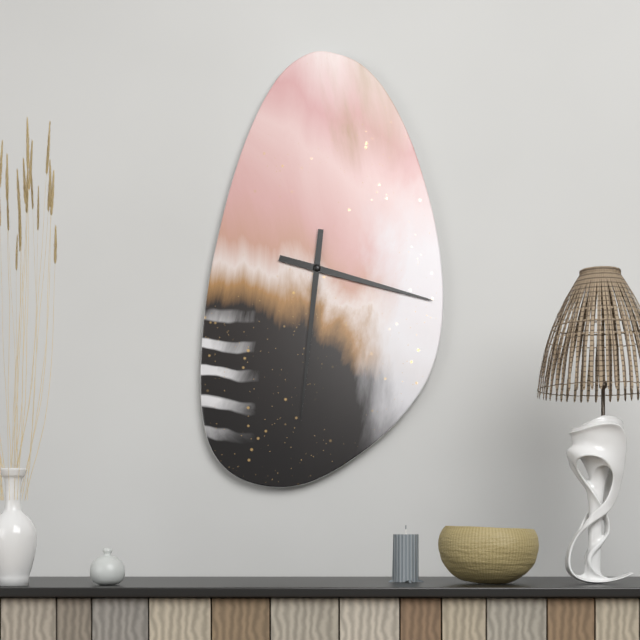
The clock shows 3h31
